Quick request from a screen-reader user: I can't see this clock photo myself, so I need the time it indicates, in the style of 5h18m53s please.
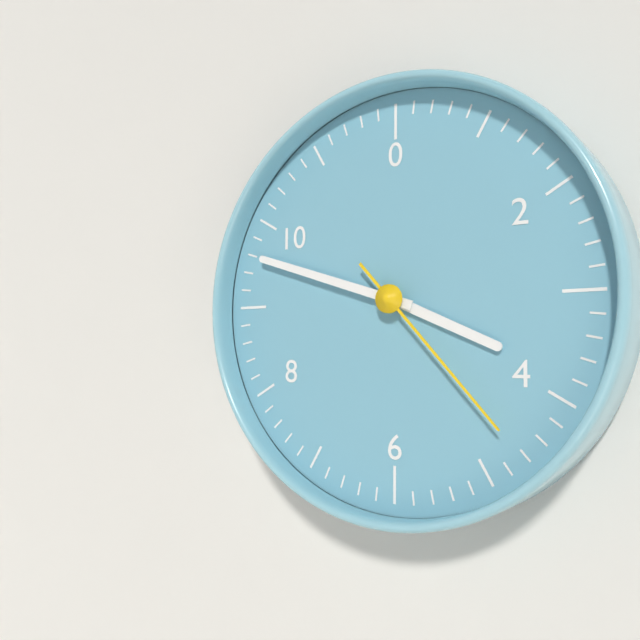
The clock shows 3h48m23s
